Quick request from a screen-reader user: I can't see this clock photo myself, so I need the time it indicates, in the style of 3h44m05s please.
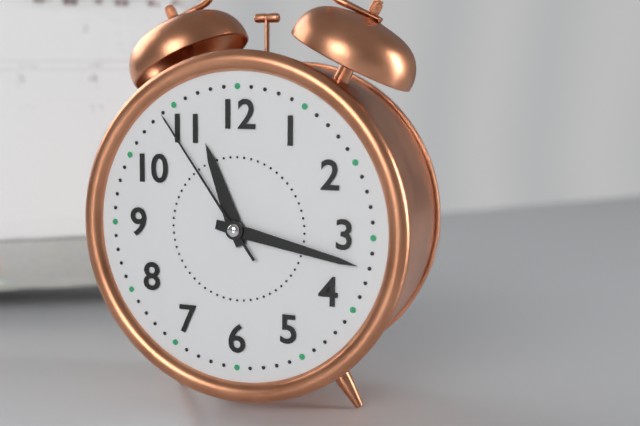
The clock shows 11h17m54s
